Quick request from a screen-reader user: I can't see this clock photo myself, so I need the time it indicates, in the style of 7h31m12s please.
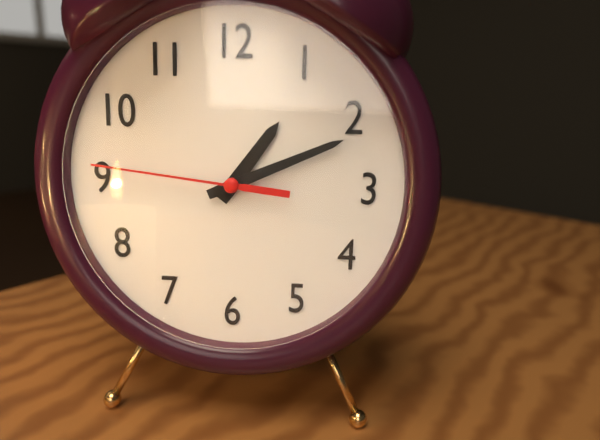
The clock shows 1h11m46s
